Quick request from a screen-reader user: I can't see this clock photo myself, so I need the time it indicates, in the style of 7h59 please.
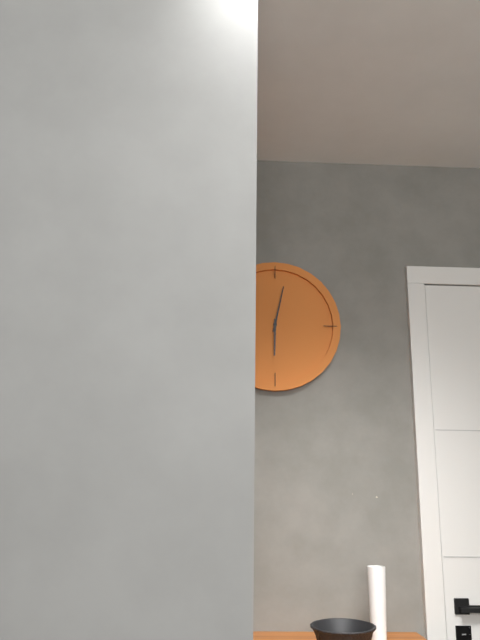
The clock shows 6h02
